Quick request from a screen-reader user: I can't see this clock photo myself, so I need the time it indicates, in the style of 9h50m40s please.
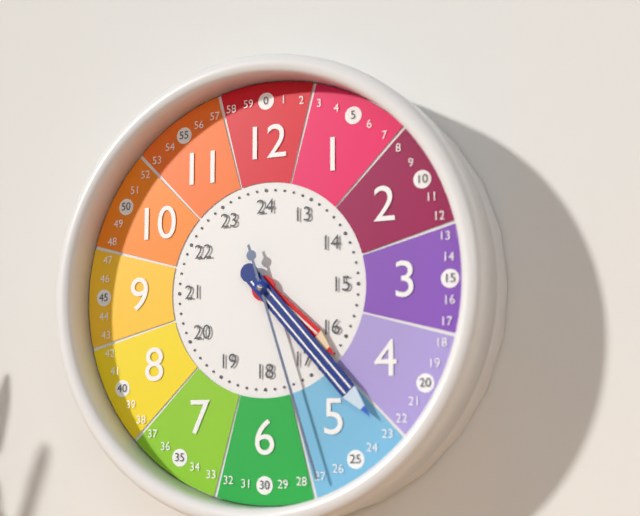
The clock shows 4h23m27s
